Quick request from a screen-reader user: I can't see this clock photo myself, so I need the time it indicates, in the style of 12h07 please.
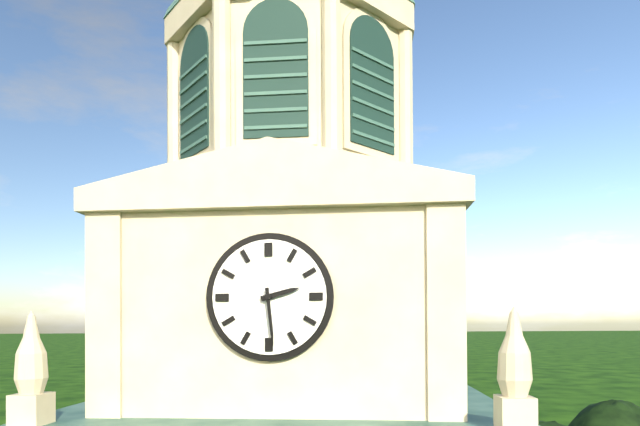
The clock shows 2h29
